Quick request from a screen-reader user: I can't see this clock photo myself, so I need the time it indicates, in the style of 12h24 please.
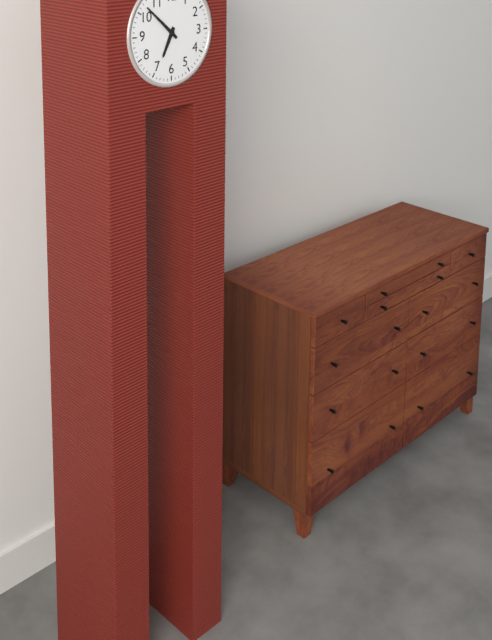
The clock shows 6h52
